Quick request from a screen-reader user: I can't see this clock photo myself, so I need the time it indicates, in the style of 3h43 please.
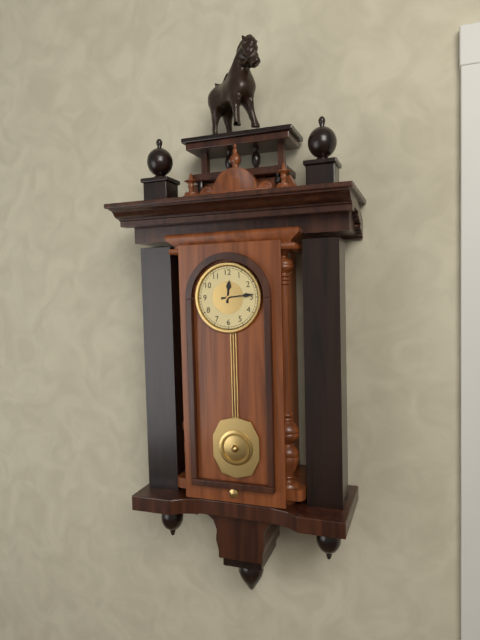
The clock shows 12h14
